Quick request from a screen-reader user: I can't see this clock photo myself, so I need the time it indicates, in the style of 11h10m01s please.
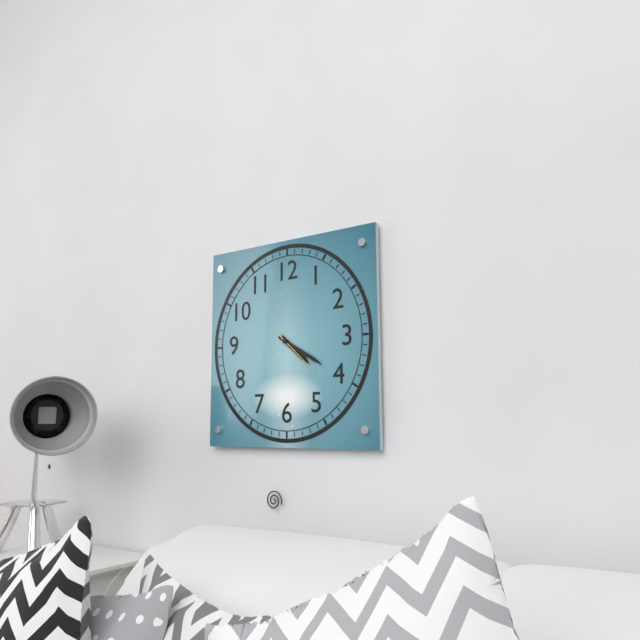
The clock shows 4h20m22s
